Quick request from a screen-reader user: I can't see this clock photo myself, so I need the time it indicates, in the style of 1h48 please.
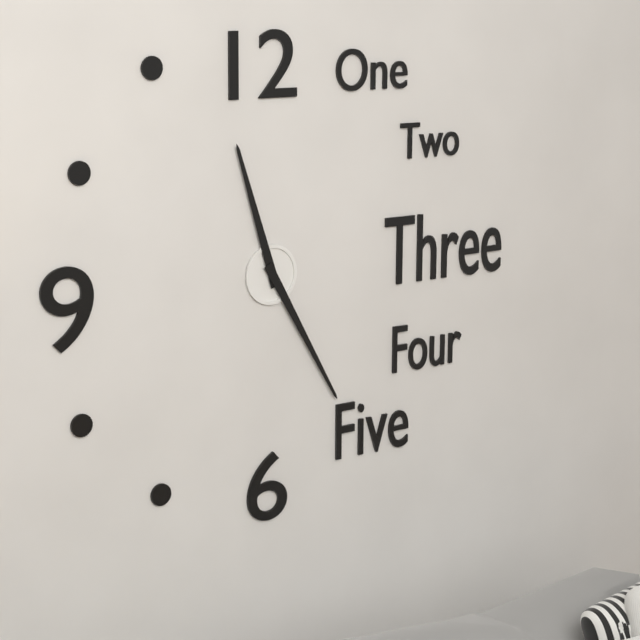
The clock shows 11h25
